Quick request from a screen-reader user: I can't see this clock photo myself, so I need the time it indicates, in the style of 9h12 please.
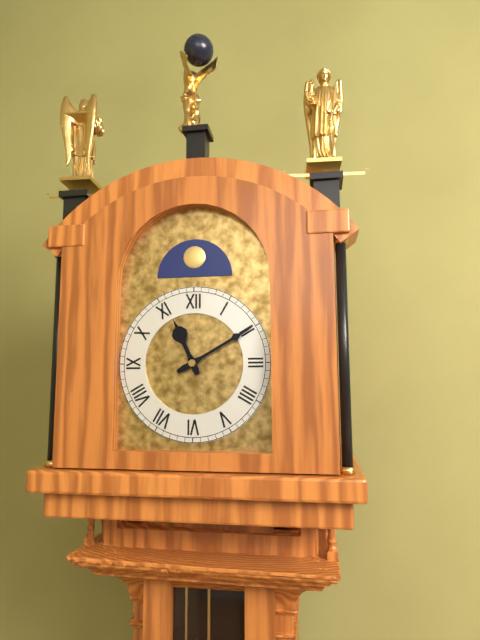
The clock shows 11h10
